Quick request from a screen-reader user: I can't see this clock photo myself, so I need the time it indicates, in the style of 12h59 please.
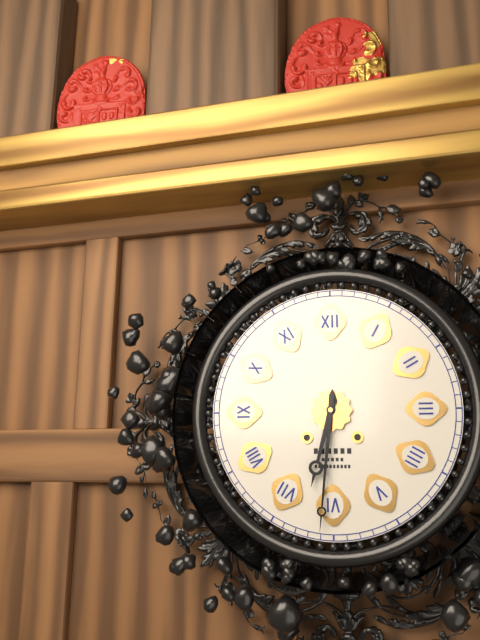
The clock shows 6h31
